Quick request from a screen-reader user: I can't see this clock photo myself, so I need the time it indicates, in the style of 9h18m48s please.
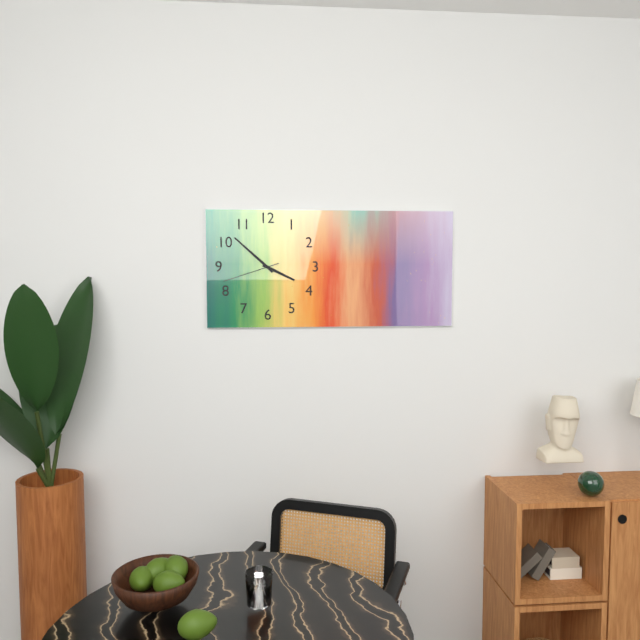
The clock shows 3h52m42s
